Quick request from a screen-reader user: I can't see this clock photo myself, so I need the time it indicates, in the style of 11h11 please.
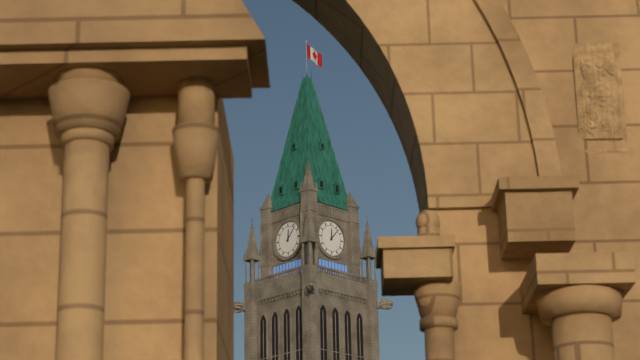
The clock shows 12h07
